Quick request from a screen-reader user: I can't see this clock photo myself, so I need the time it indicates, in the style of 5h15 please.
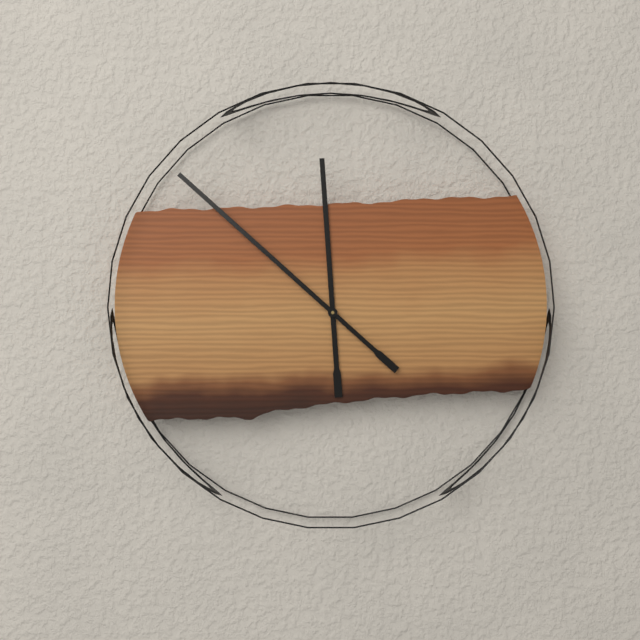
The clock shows 11h52
